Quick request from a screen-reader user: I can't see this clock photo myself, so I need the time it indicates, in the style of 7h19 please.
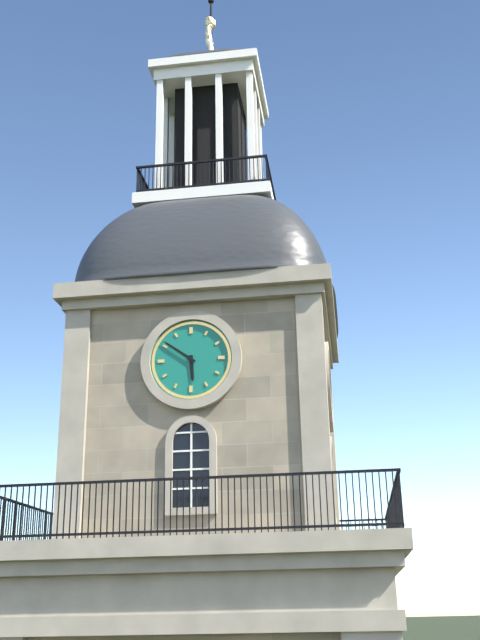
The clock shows 5h51
